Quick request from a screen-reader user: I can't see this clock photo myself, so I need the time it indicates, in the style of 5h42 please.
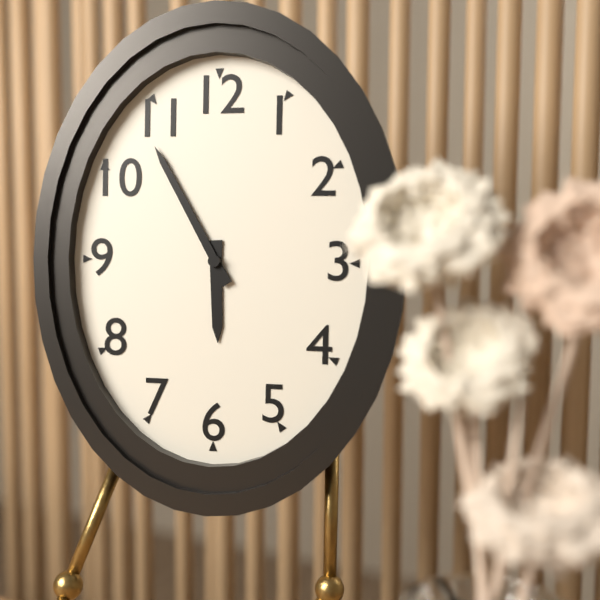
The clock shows 5h55
